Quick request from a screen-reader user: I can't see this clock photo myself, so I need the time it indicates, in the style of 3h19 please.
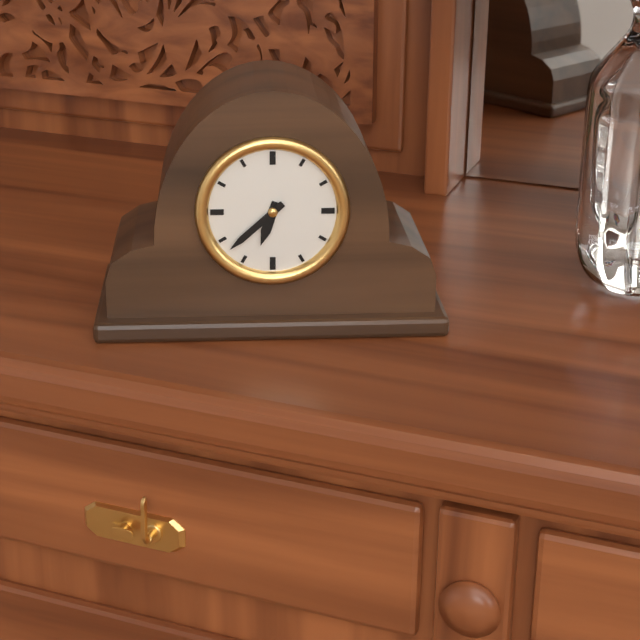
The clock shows 6h38
